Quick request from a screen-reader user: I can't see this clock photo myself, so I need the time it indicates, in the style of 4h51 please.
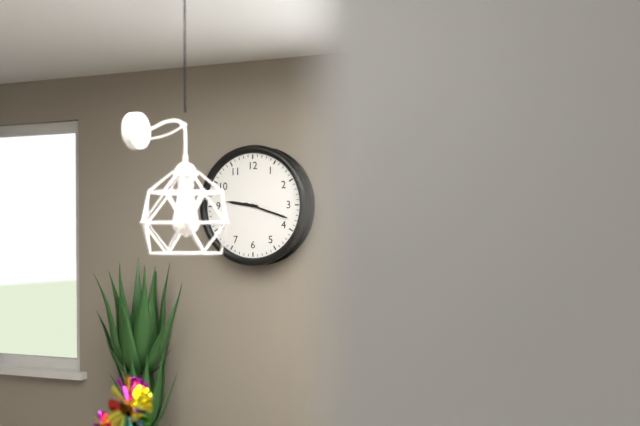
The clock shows 9h18
